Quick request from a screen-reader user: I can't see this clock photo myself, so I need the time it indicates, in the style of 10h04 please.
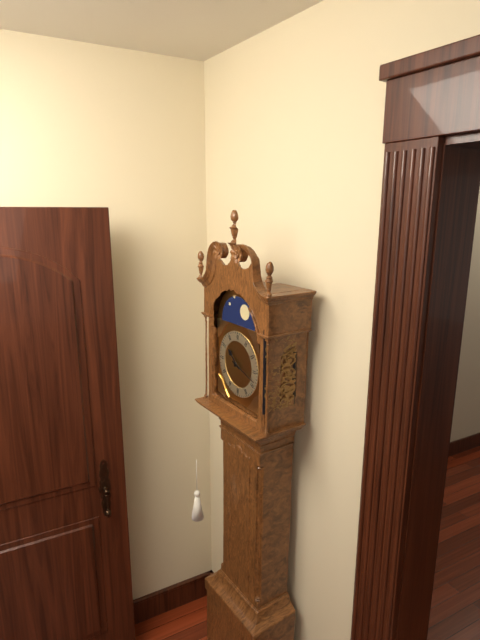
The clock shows 10h18
